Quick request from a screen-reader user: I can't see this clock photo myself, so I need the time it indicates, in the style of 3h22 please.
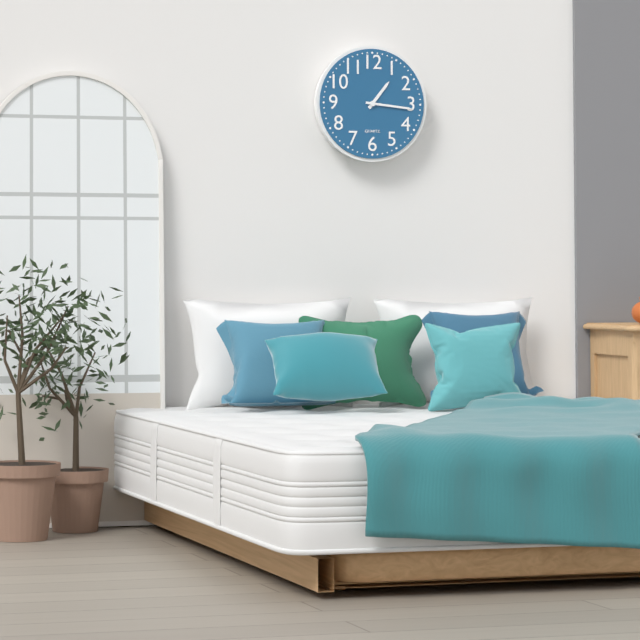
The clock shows 1h16
